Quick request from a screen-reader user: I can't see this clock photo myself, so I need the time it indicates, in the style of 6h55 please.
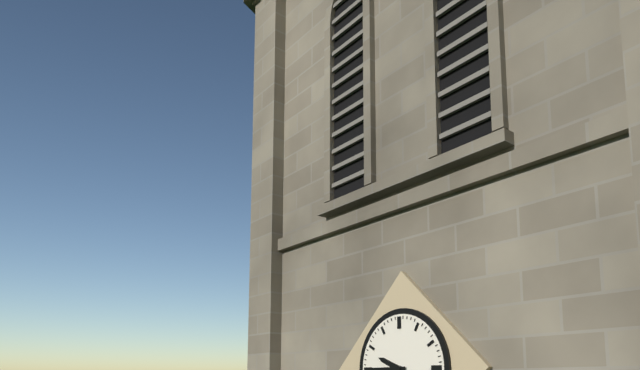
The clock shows 9h45
